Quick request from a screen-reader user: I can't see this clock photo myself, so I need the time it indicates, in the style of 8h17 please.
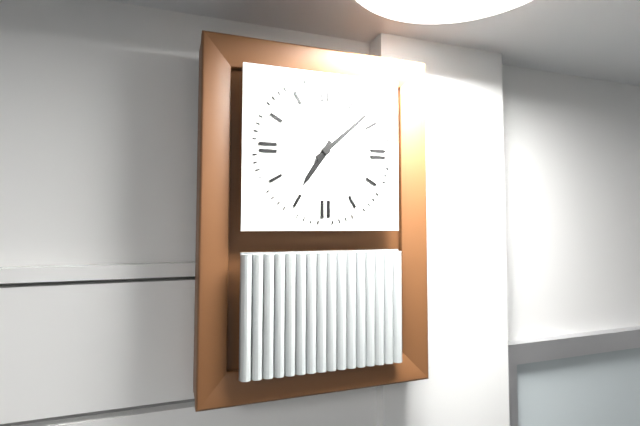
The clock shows 7h08
